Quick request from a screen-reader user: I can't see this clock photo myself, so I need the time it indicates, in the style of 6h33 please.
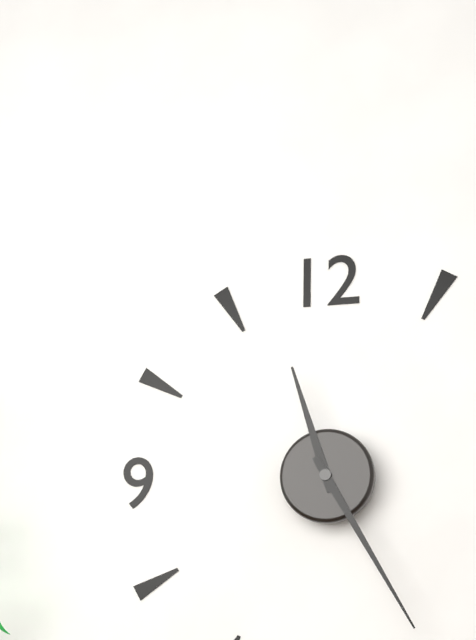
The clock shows 11h25
